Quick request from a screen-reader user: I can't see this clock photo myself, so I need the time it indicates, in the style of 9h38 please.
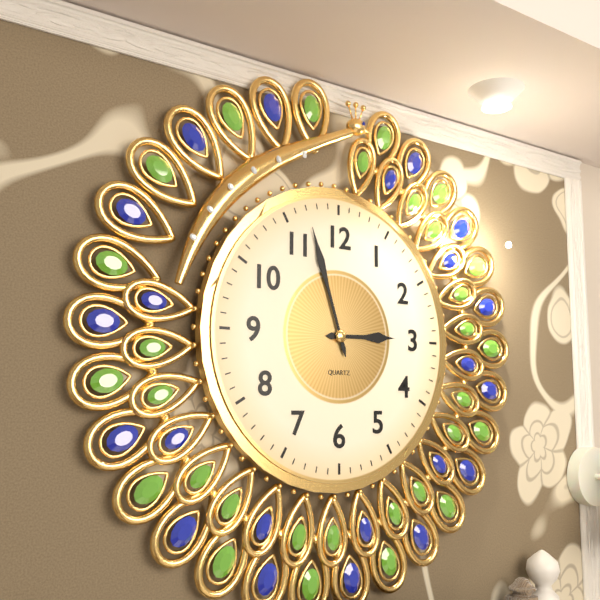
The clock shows 2h57
